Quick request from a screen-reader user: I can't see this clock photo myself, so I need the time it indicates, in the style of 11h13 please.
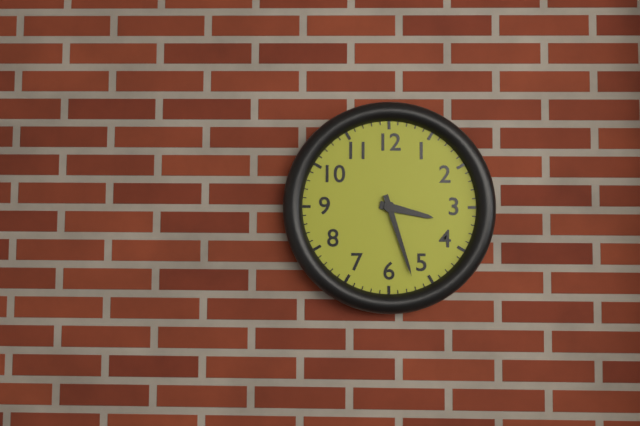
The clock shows 3h27
